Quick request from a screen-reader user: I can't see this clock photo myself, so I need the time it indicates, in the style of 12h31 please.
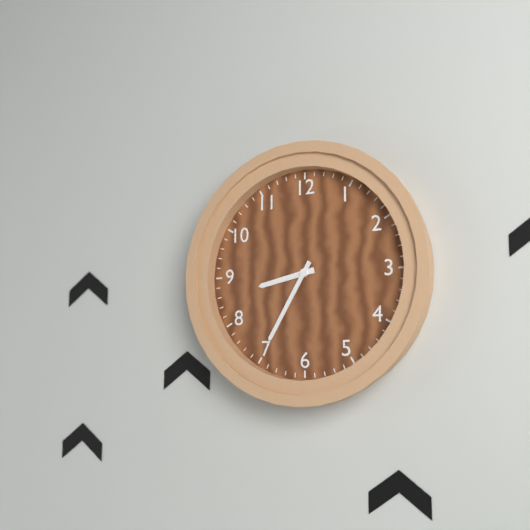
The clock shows 8h35
